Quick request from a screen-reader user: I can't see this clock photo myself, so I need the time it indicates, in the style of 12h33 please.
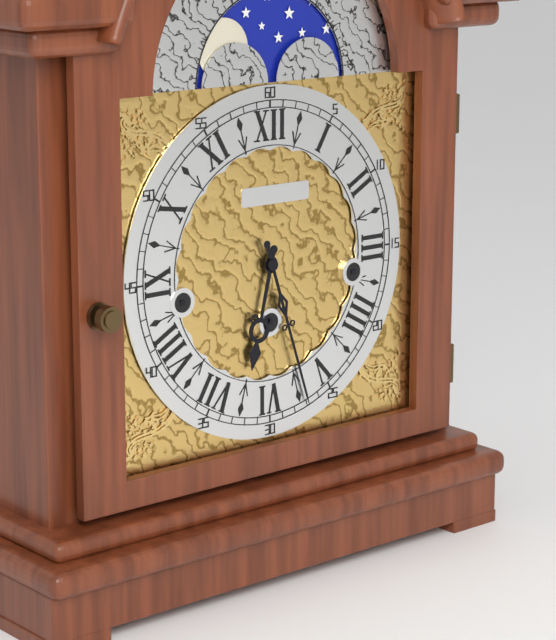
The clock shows 6h27
